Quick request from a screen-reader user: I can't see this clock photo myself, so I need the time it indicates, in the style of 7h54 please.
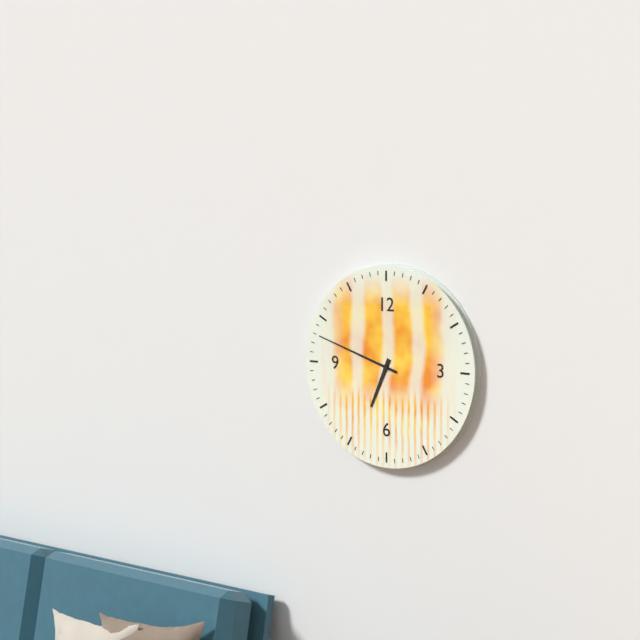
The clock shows 6h48
